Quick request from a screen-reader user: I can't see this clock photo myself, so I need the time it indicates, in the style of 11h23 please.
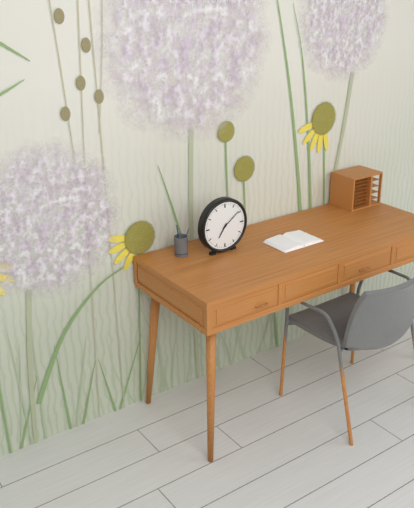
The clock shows 7h09
